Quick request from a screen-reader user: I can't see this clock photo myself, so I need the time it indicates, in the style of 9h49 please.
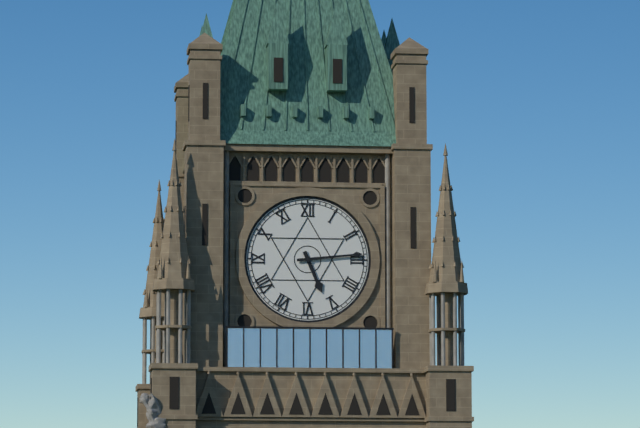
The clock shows 5h14
